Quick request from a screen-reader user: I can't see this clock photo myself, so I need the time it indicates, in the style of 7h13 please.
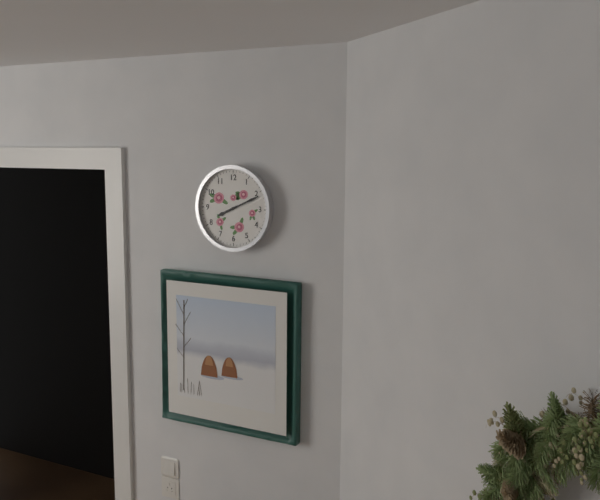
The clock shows 8h11
